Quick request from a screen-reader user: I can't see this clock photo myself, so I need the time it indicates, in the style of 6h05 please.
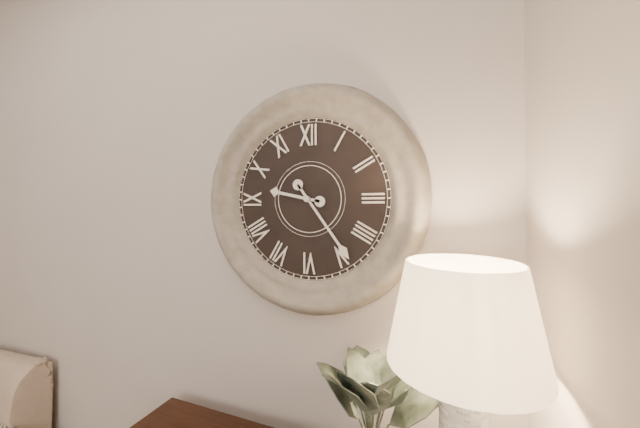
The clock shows 9h24
